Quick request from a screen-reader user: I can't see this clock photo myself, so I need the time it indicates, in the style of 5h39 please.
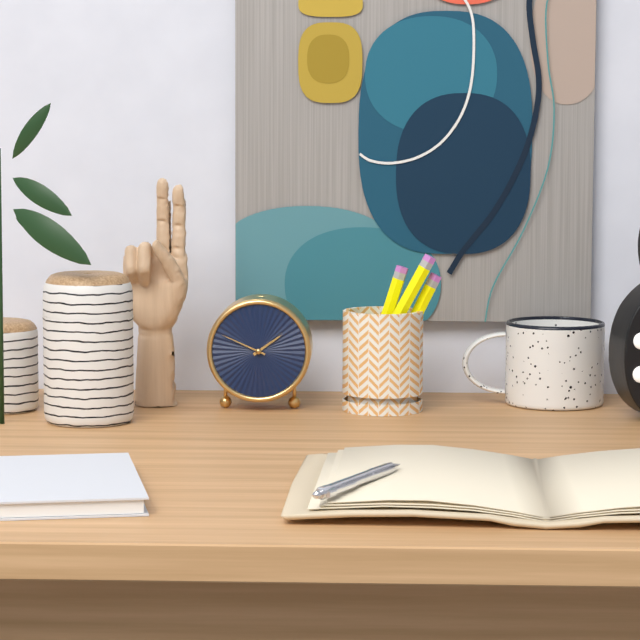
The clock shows 1h49
